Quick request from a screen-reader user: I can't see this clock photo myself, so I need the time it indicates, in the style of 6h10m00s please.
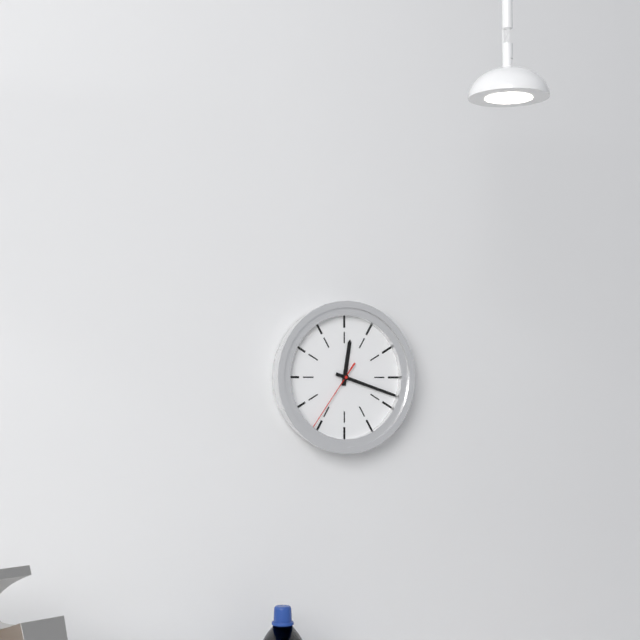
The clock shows 12h18m36s
